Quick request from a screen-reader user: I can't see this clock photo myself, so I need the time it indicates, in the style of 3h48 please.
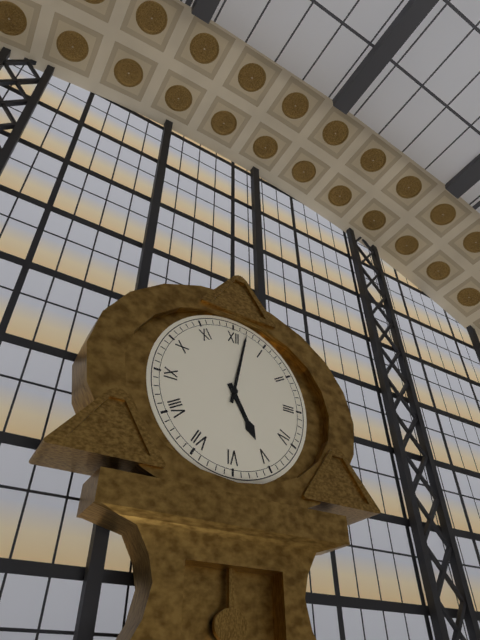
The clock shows 5h02
